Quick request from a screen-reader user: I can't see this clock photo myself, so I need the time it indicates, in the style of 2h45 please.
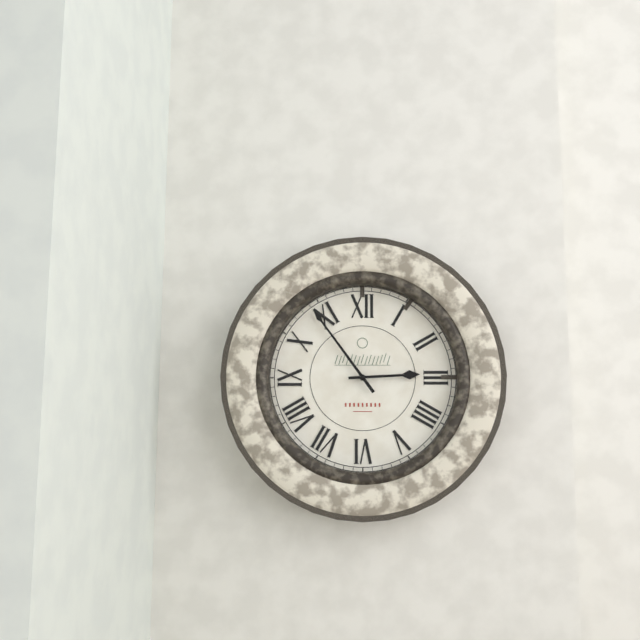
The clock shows 2h54
